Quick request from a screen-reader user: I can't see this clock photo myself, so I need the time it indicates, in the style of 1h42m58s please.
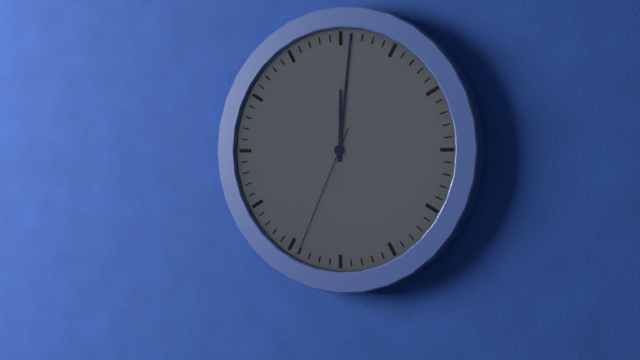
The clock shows 12h01m34s
